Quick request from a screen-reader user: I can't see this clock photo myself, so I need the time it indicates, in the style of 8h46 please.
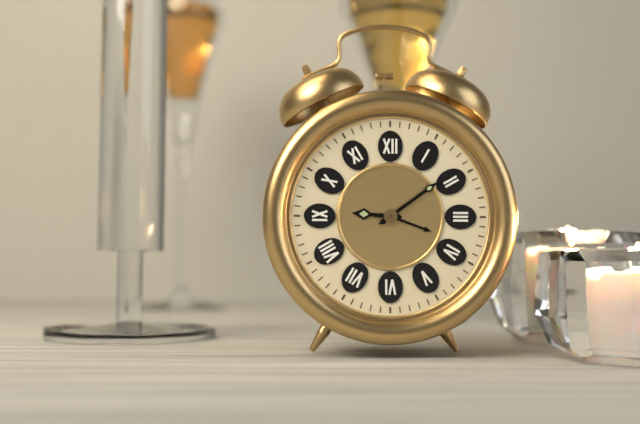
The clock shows 9h09
